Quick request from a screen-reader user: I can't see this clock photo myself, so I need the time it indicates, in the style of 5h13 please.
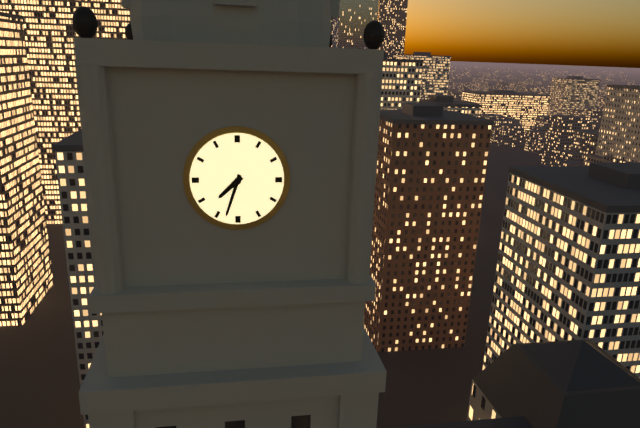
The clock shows 7h33
